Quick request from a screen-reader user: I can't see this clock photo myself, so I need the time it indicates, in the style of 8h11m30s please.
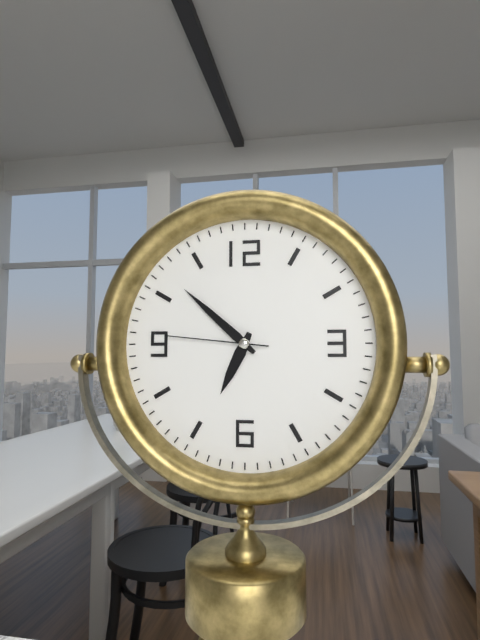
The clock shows 6h52m46s
